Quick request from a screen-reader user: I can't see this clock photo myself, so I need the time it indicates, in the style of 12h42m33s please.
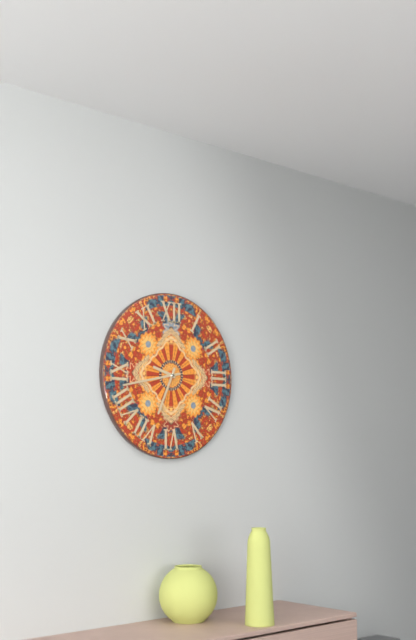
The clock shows 9h34m43s
